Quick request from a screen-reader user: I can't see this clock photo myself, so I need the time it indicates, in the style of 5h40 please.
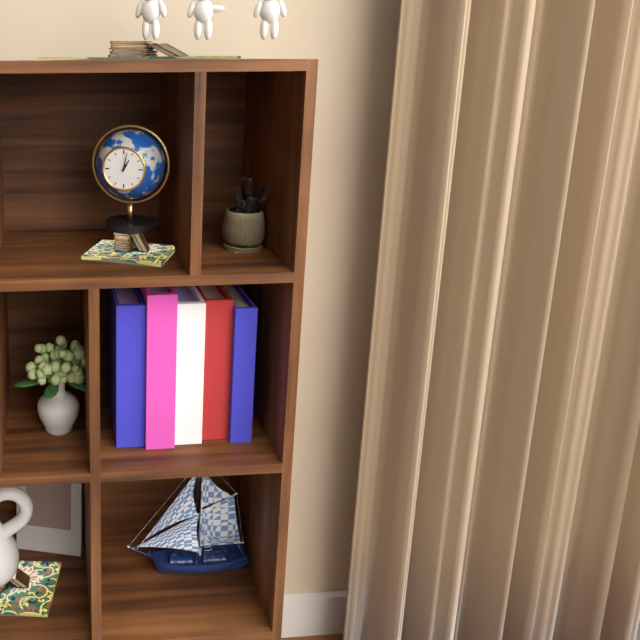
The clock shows 1h02
